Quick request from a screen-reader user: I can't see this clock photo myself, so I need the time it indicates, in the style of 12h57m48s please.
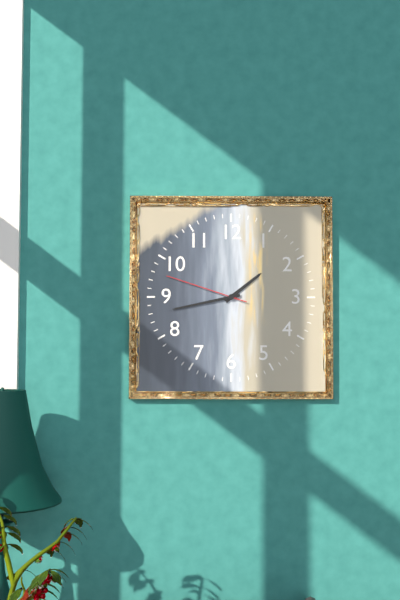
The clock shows 1h43m48s
